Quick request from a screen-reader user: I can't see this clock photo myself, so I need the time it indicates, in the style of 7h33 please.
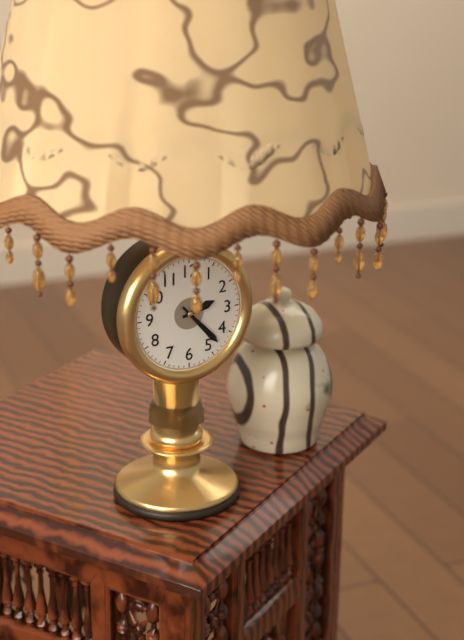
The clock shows 2h23
